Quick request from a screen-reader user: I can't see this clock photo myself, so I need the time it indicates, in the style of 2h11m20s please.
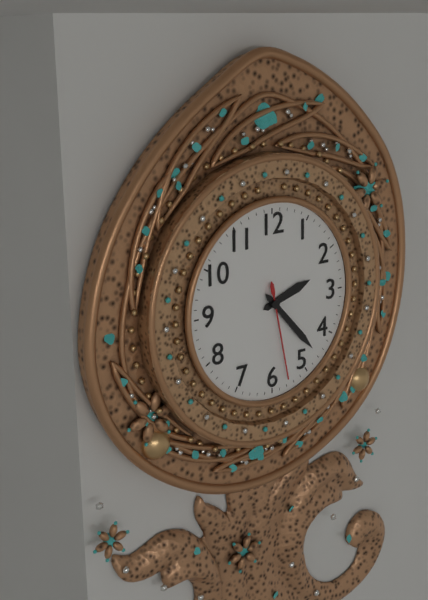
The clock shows 2h23m28s
